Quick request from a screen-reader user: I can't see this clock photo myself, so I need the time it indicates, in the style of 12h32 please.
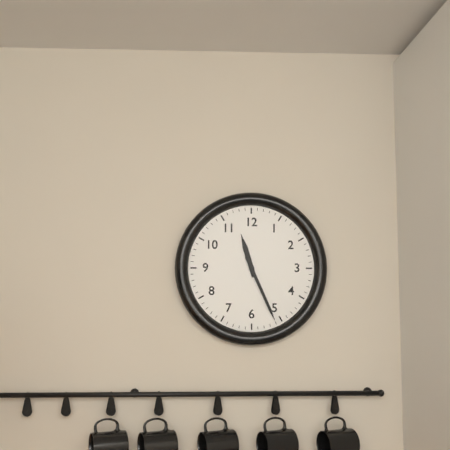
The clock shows 11h26
